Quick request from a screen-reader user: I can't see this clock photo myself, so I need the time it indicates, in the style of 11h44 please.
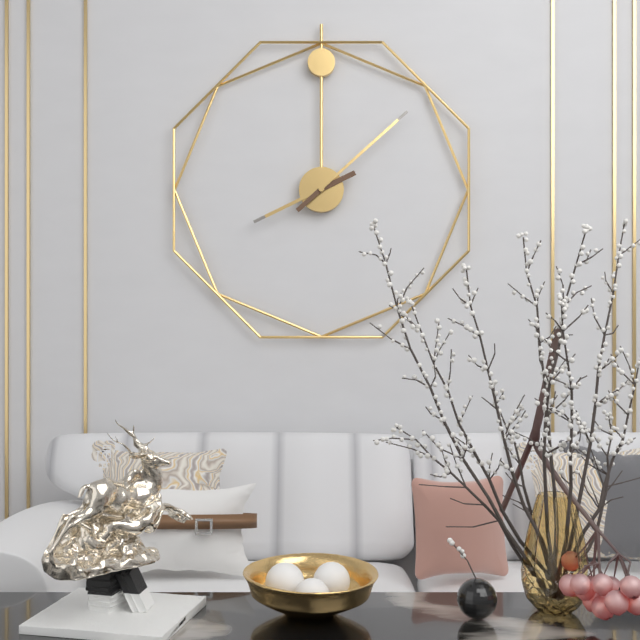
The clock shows 8h08
